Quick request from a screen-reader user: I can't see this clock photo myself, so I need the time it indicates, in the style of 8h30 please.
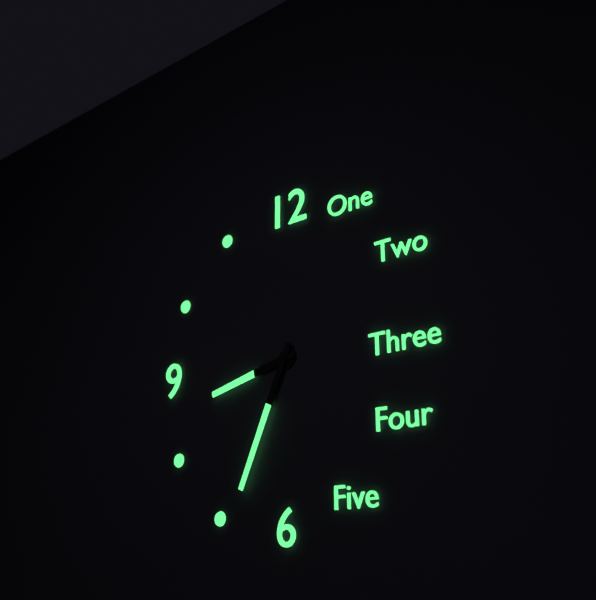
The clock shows 8h34
